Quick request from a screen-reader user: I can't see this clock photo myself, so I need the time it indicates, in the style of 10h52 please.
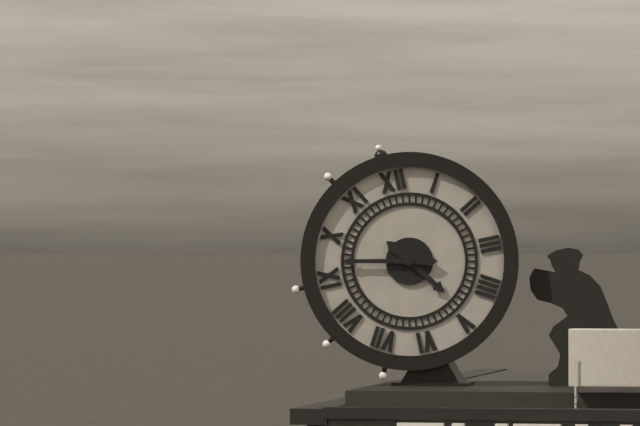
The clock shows 4h47
